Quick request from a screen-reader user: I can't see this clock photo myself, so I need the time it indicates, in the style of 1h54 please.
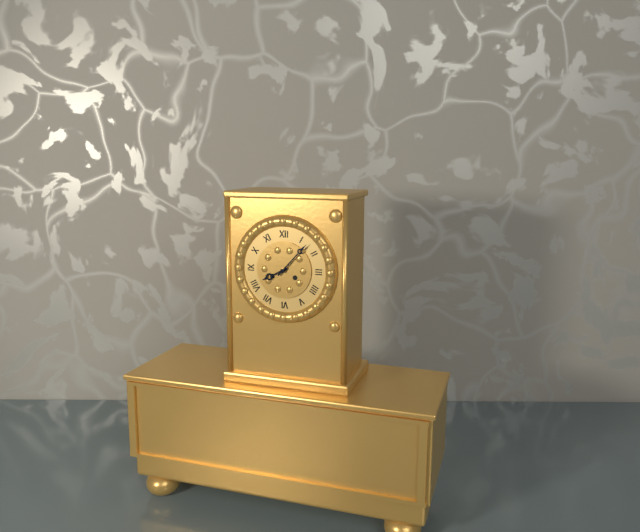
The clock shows 8h07
